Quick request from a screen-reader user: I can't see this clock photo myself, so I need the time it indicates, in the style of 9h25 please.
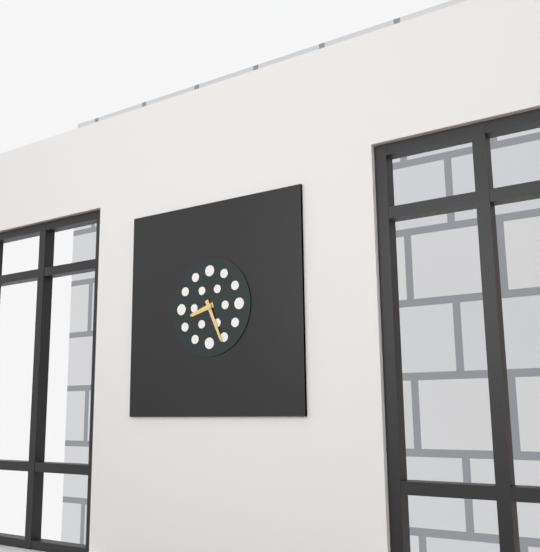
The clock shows 8h26
